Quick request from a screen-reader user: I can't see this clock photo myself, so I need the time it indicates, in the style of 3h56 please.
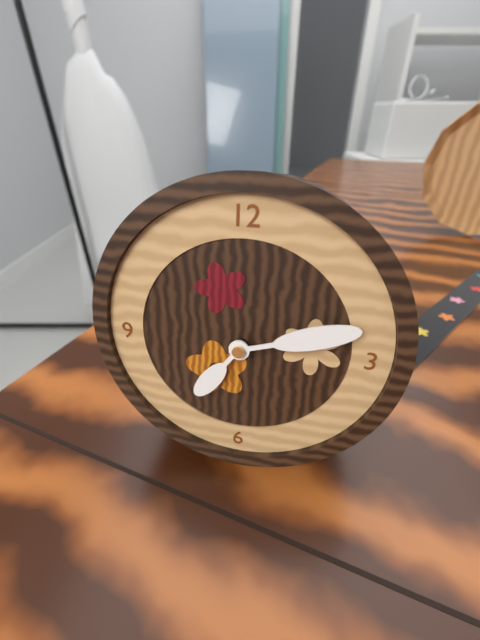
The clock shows 7h12
